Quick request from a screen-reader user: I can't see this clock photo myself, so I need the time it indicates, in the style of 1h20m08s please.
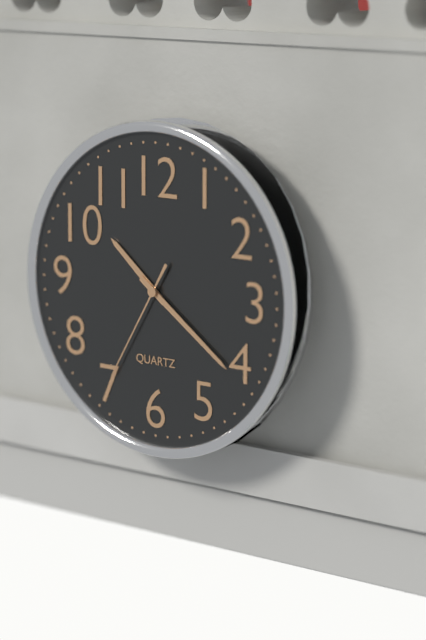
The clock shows 10h21m35s
